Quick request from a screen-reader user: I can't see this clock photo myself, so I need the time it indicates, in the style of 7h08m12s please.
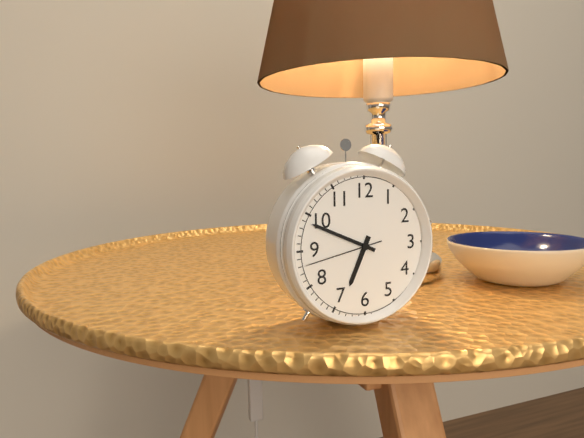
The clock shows 6h49m43s
